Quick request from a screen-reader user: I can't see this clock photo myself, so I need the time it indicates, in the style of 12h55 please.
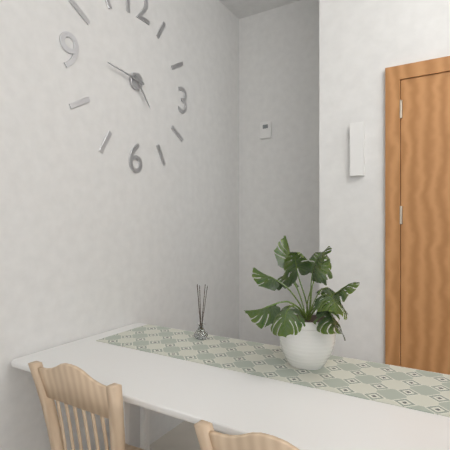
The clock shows 4h46
